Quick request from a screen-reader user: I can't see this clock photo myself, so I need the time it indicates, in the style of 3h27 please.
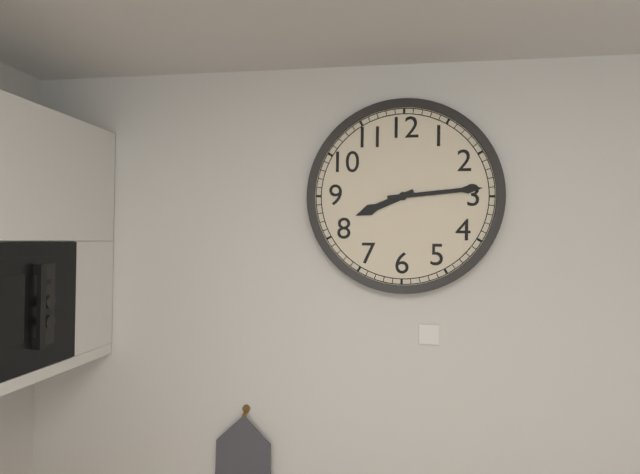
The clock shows 8h14
